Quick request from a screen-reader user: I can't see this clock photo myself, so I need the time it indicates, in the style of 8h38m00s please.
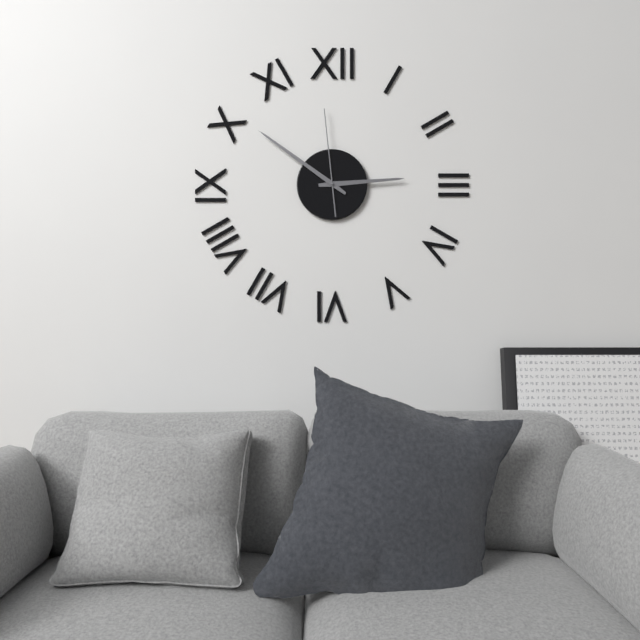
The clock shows 2h51m59s
